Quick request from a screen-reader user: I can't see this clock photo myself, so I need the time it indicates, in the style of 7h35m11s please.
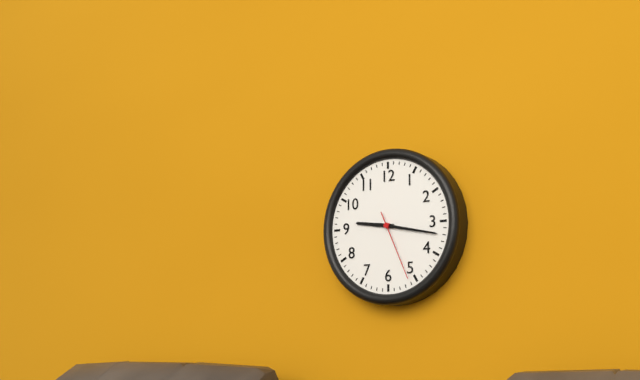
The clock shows 9h17m26s
